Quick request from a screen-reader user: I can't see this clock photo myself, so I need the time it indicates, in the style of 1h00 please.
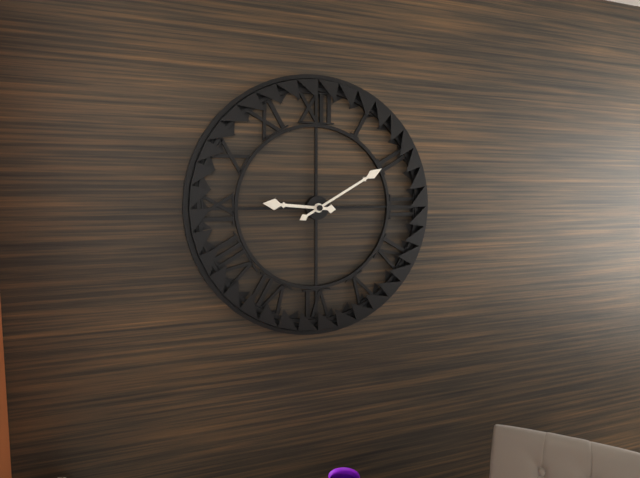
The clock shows 9h10
